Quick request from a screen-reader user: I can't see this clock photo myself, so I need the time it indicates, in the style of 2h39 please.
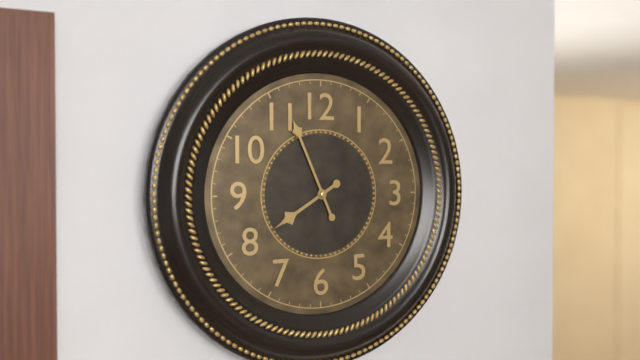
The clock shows 7h56
